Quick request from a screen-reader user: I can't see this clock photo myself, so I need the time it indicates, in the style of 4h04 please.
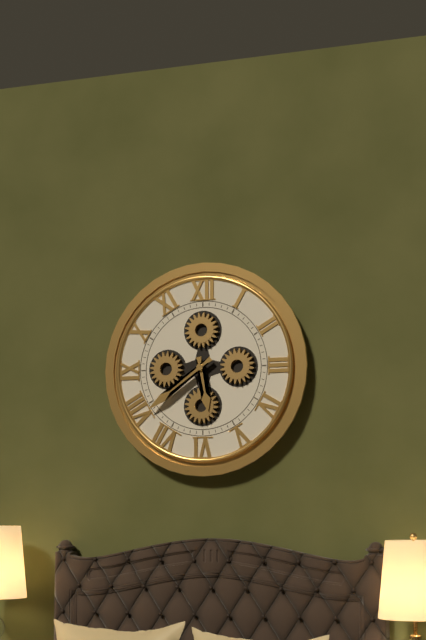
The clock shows 5h39
